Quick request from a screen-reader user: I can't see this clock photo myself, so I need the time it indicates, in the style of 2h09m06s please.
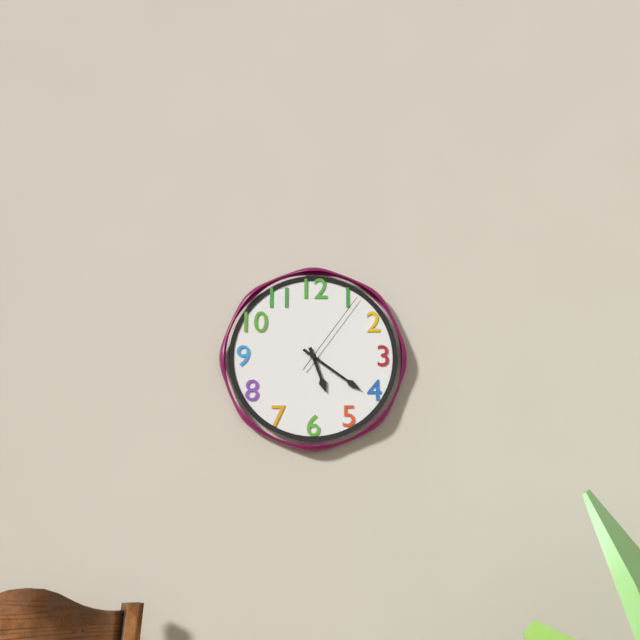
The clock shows 5h21m06s
